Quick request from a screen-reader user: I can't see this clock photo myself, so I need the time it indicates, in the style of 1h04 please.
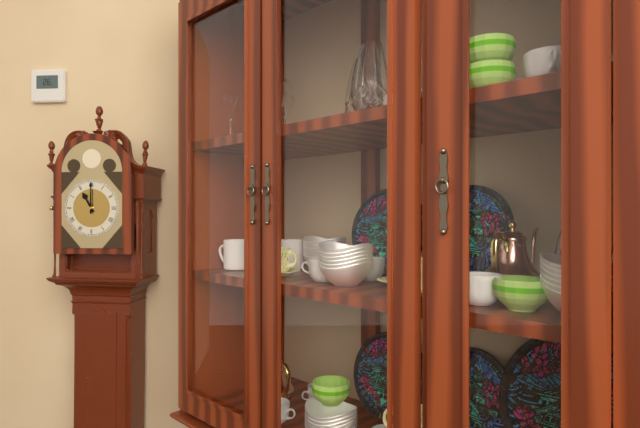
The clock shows 11h00
